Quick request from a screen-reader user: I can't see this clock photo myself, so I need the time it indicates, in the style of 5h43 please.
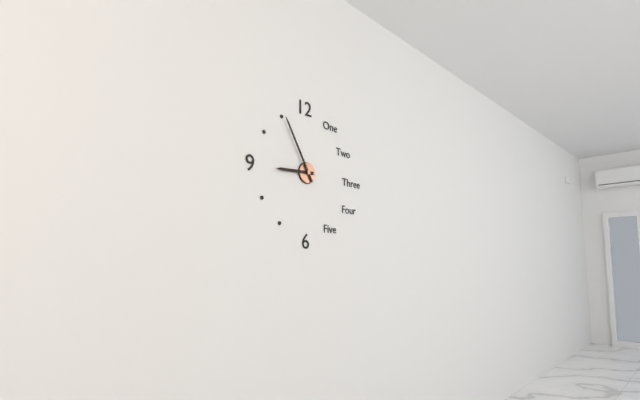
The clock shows 8h55
